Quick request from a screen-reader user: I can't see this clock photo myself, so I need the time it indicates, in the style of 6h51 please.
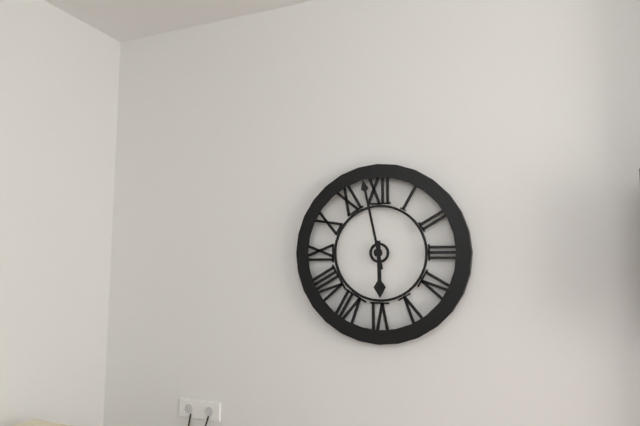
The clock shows 5h58
